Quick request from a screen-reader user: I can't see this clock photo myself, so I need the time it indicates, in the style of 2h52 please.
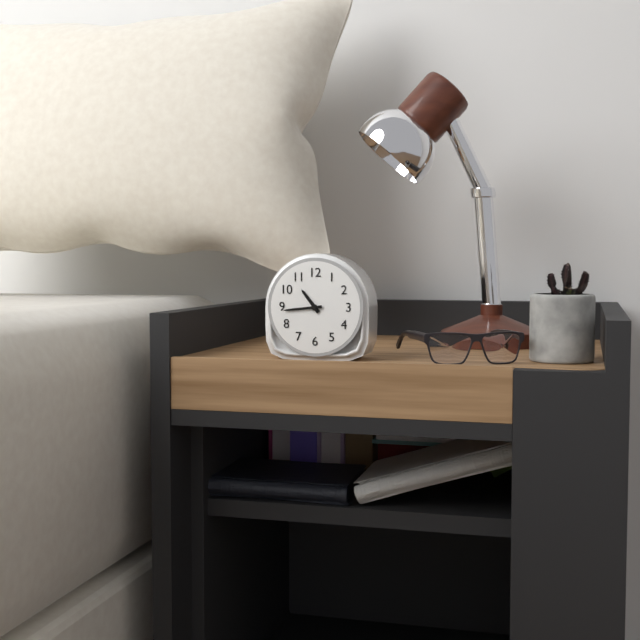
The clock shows 10h44
